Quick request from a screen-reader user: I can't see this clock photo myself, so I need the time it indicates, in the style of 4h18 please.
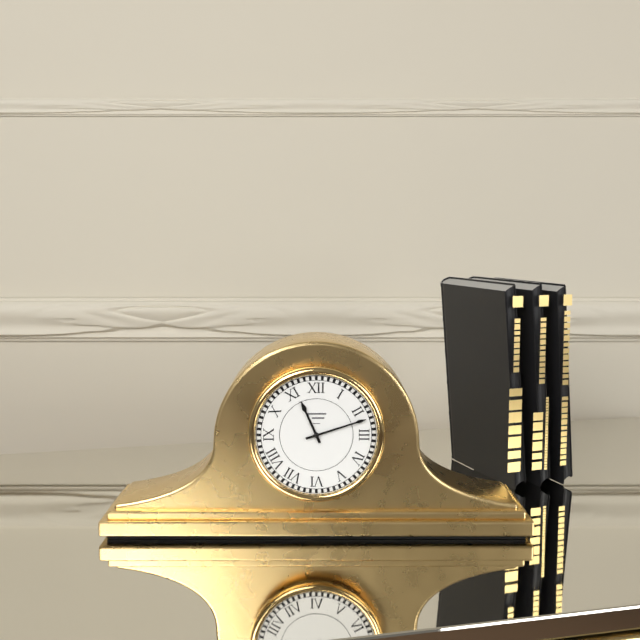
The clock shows 11h12
